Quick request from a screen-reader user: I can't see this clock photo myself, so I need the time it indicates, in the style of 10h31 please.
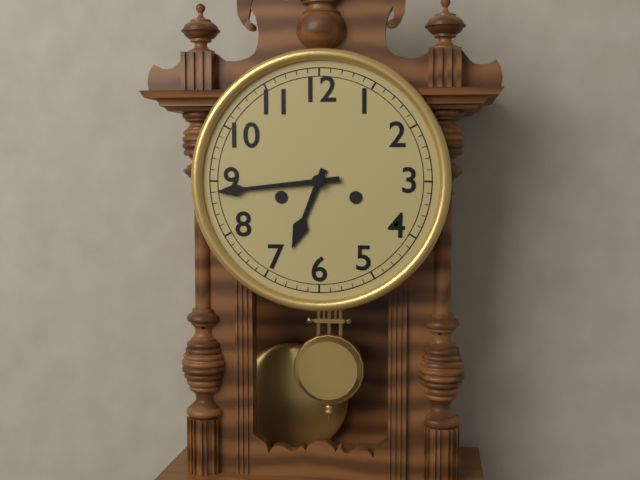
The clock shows 6h44
